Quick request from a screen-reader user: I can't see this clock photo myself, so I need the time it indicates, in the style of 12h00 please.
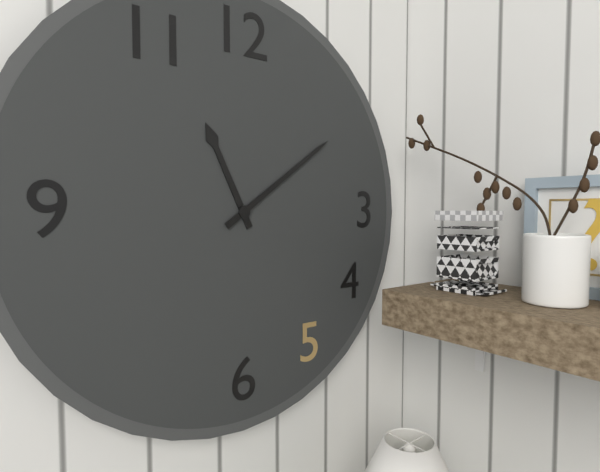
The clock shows 11h09
